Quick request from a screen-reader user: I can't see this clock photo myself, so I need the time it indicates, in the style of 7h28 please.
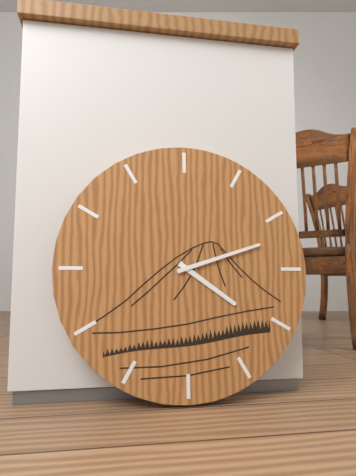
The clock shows 4h12
